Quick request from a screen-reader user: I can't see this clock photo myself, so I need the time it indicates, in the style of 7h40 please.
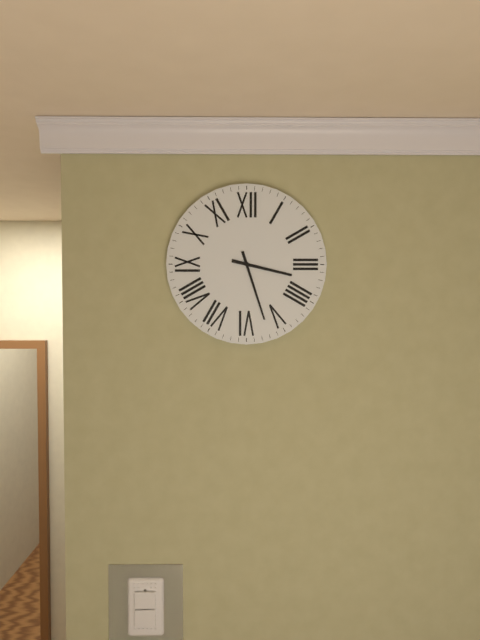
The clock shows 3h27
